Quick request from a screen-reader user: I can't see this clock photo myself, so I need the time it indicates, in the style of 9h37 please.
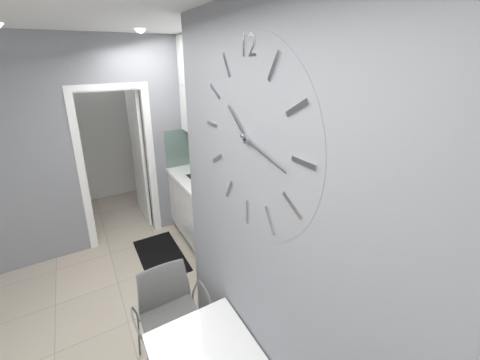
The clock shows 10h17
